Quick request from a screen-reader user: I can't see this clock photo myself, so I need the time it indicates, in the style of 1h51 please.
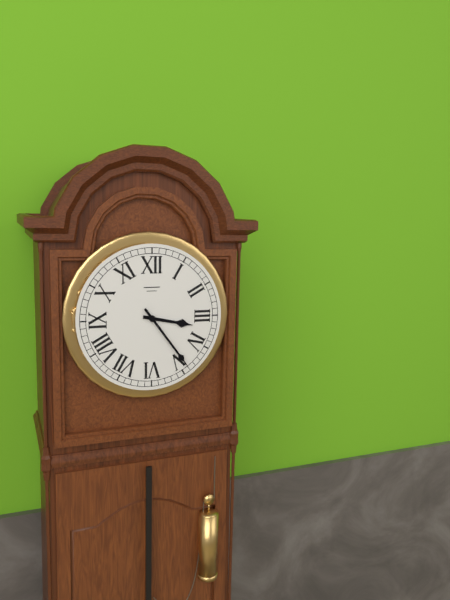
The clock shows 3h24
